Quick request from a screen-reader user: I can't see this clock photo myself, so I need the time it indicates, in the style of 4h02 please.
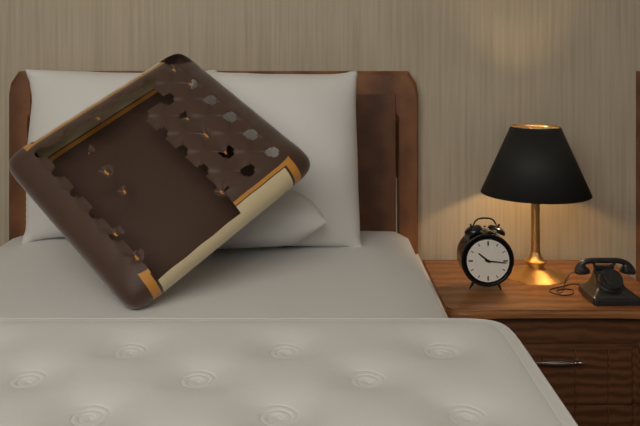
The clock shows 10h16
